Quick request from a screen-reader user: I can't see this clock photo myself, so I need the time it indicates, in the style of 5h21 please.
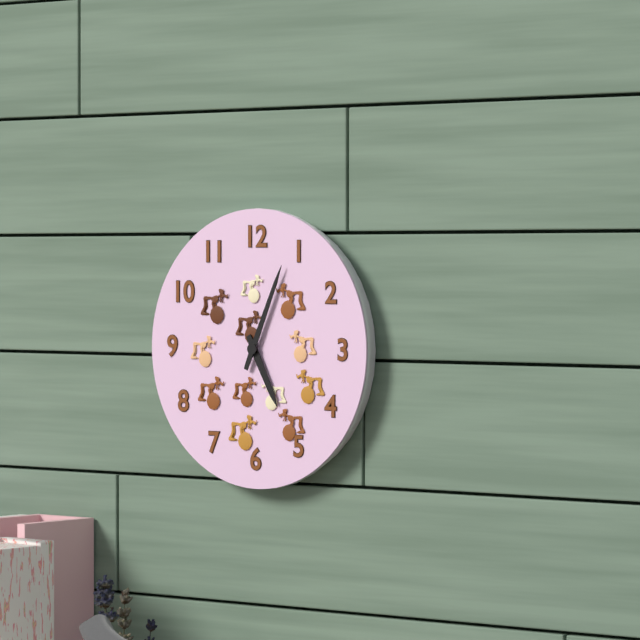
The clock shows 5h04
